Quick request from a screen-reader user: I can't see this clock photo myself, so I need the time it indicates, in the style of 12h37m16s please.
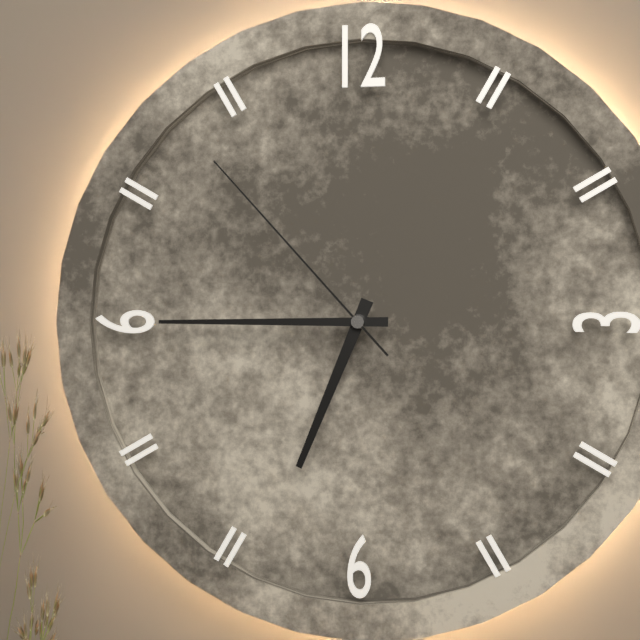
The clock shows 6h45m53s
